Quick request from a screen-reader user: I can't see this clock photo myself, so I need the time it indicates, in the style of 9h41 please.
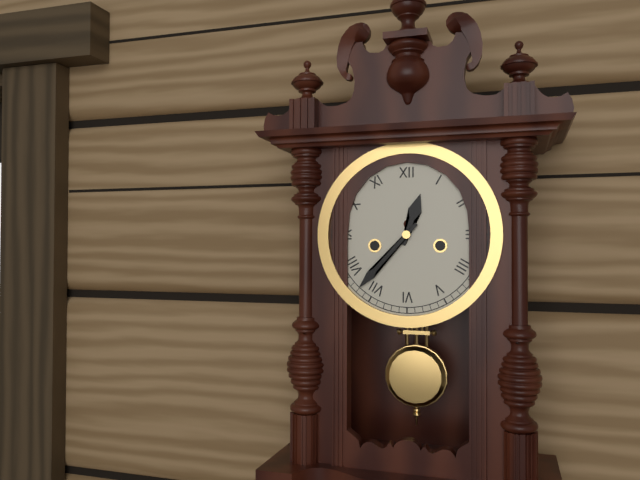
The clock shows 12h37
